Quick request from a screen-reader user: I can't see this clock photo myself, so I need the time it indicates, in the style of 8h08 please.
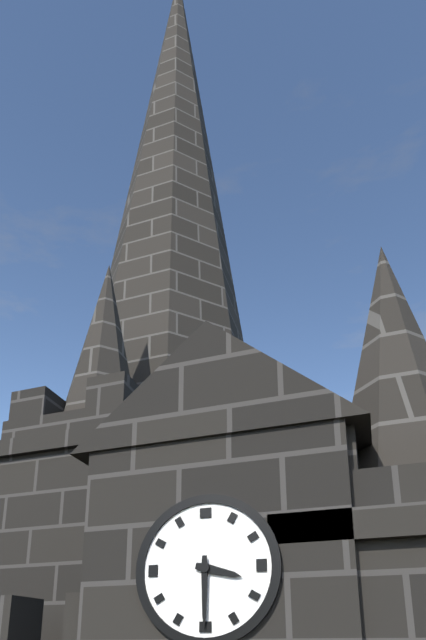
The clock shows 3h30
